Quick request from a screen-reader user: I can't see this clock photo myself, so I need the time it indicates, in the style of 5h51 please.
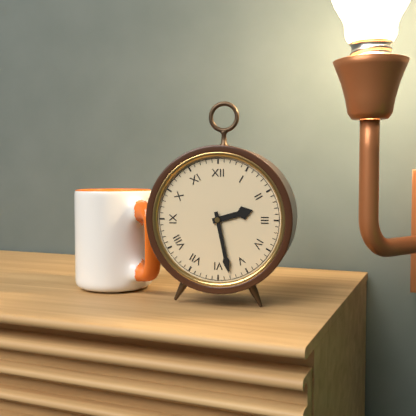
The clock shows 2h28
